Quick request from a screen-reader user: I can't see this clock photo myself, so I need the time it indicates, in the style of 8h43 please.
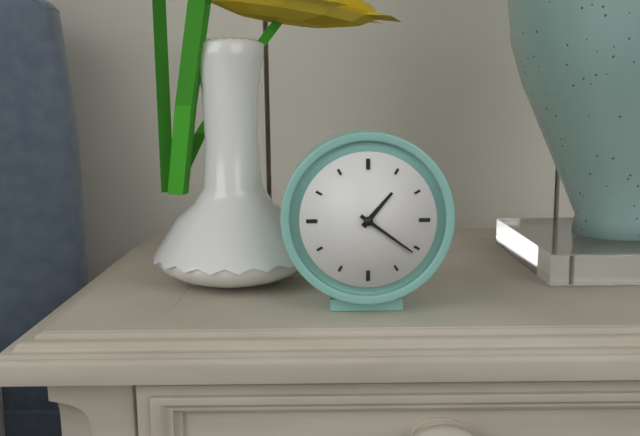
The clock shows 1h21
